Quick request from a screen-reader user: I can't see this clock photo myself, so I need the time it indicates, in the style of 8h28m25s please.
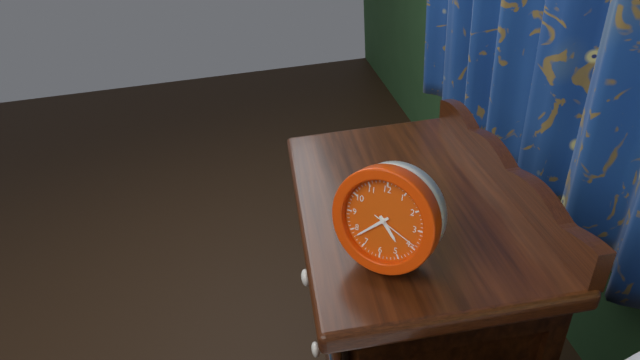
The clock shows 4h38m19s
